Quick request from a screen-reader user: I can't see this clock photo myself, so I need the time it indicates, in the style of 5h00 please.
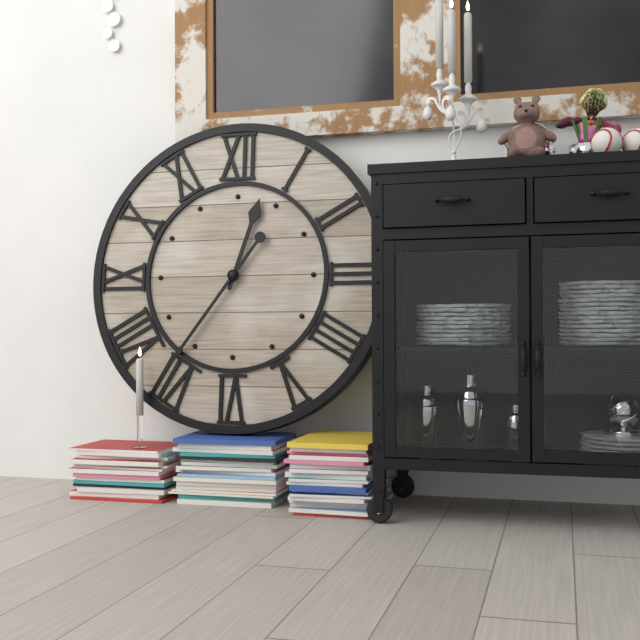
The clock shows 12h36
